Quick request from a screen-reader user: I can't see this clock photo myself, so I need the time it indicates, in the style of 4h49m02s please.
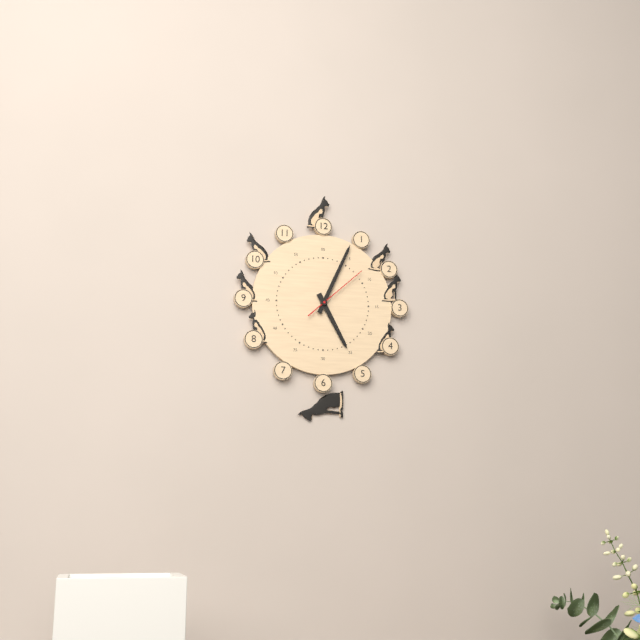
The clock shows 5h04m08s
